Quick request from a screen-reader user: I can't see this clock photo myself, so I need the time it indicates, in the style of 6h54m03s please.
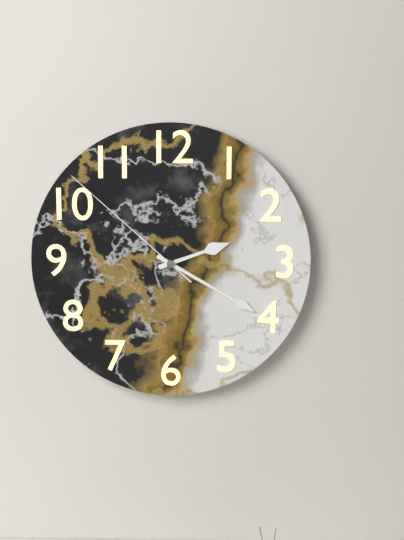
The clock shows 2h20m52s
